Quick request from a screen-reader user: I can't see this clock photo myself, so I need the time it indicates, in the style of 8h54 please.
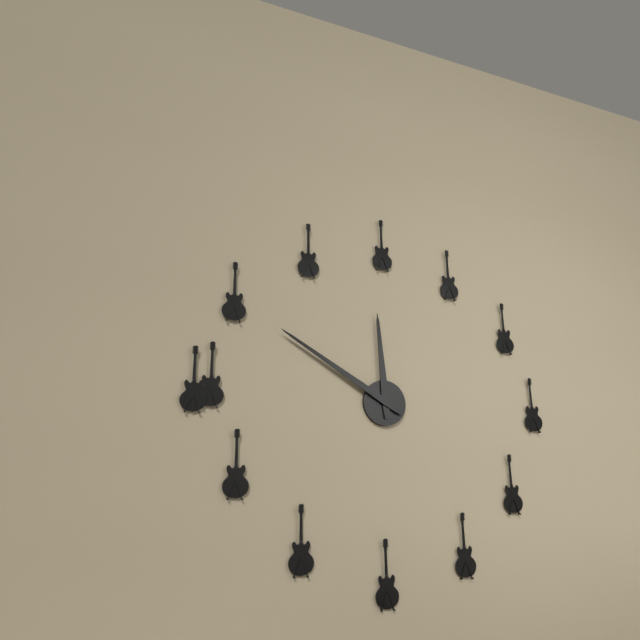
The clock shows 11h50
